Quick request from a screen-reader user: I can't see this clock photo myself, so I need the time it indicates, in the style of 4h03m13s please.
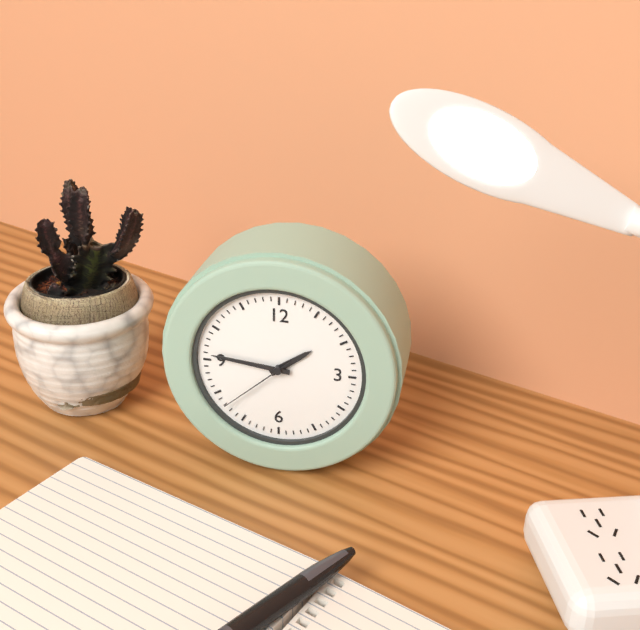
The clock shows 1h46m38s
